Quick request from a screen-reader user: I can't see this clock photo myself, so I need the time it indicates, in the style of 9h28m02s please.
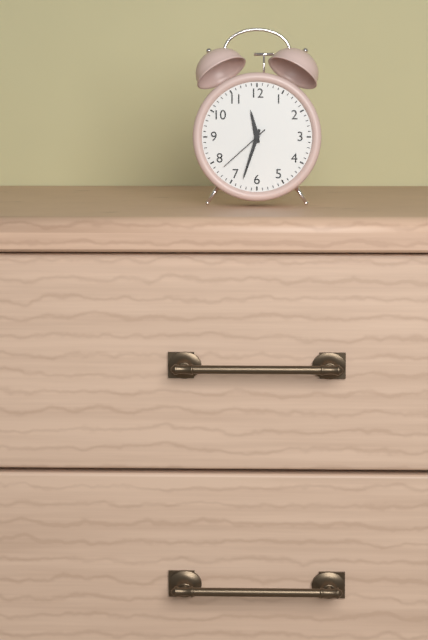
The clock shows 11h33m38s
